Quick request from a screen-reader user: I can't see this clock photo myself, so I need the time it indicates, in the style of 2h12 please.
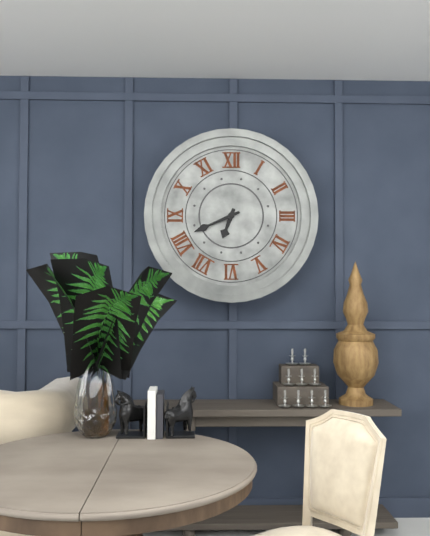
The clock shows 6h41
